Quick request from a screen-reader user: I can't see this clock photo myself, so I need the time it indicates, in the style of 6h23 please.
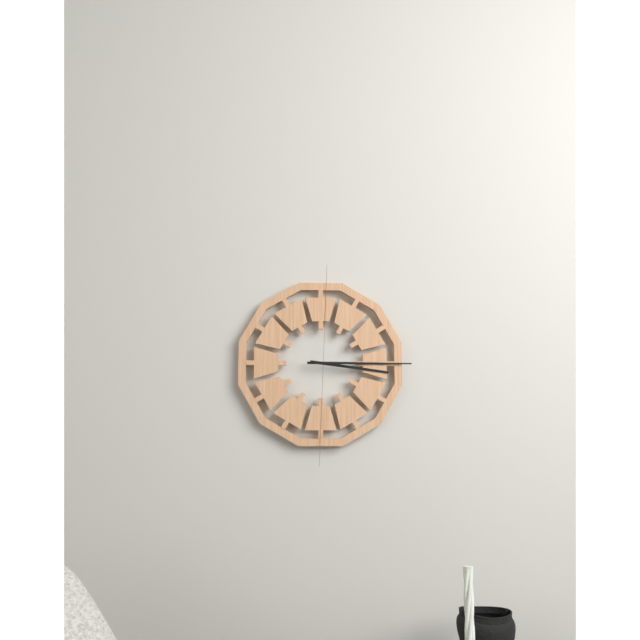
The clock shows 3h15
